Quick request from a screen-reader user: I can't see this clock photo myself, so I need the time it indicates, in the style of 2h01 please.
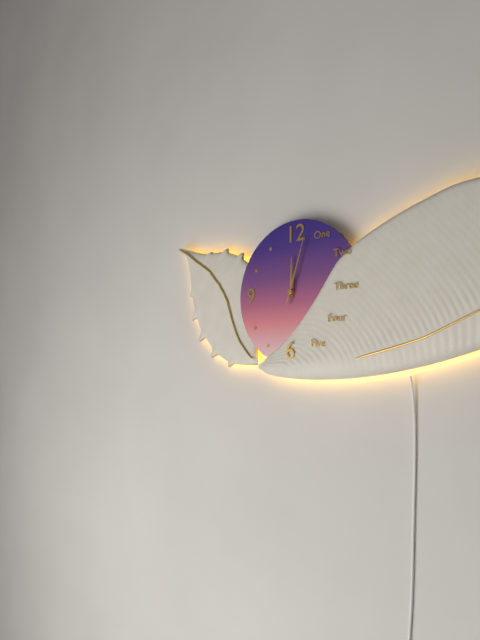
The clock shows 12h03
